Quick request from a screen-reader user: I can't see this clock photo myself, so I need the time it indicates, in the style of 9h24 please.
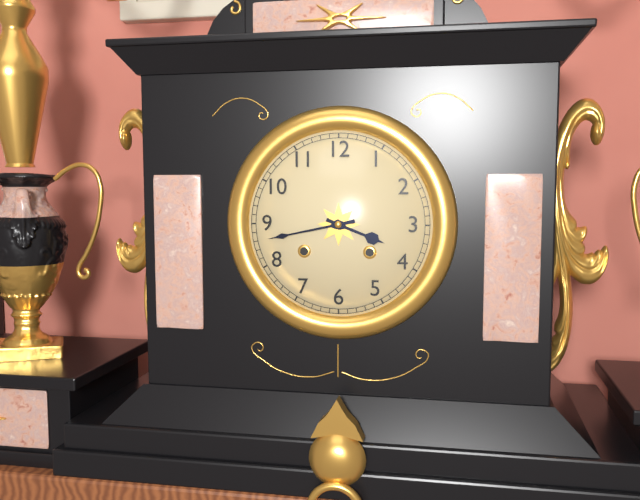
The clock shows 3h43
